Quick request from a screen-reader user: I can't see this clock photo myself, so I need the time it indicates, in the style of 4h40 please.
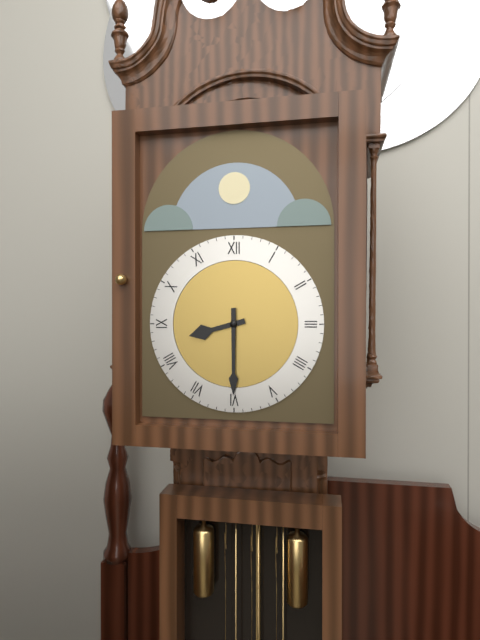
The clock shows 8h30
